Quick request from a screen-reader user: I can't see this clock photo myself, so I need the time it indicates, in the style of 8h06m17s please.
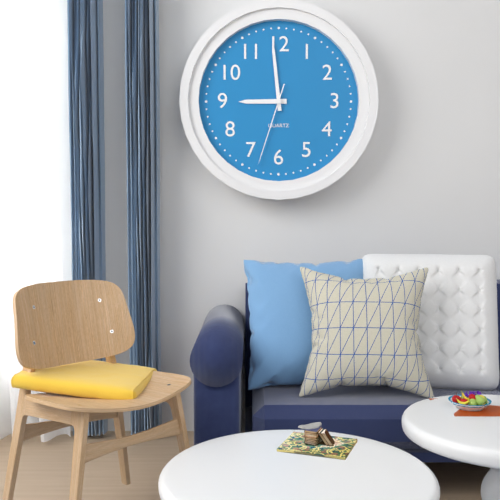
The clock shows 8h59m33s
